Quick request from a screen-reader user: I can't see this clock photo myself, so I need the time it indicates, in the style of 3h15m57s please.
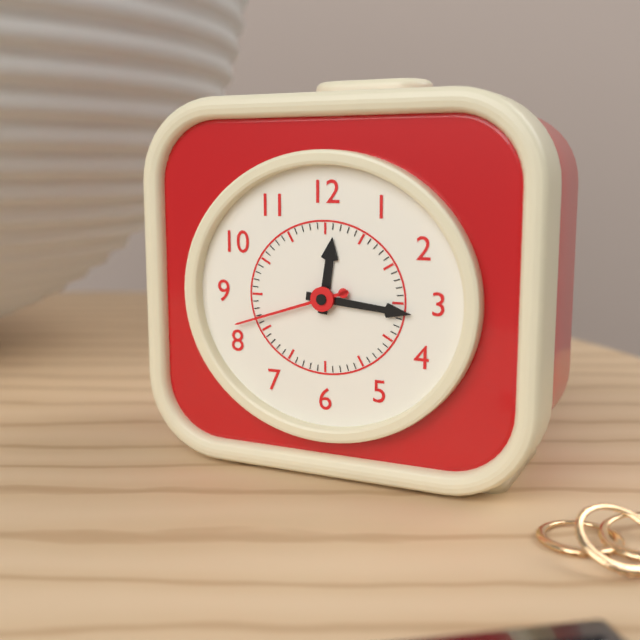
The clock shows 12h16m42s
